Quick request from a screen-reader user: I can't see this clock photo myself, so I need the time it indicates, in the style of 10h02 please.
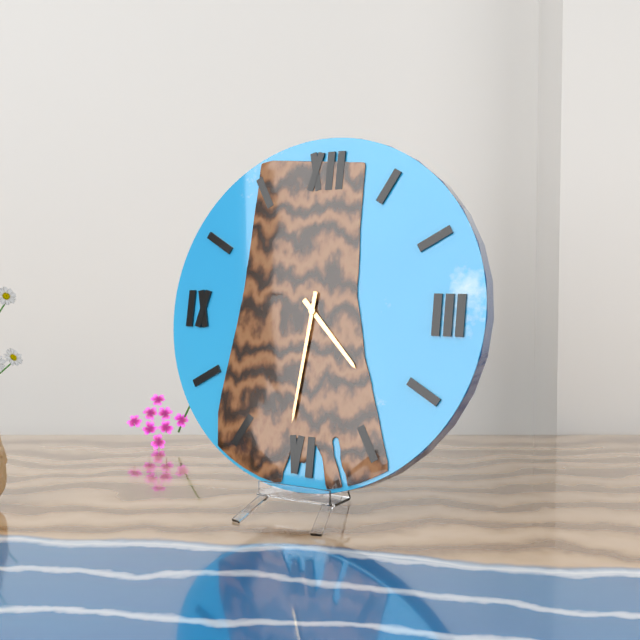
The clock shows 4h31
